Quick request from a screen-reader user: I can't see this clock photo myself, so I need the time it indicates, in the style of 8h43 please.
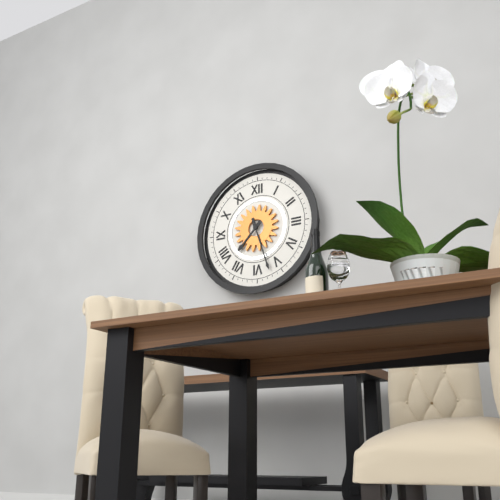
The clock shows 7h27
